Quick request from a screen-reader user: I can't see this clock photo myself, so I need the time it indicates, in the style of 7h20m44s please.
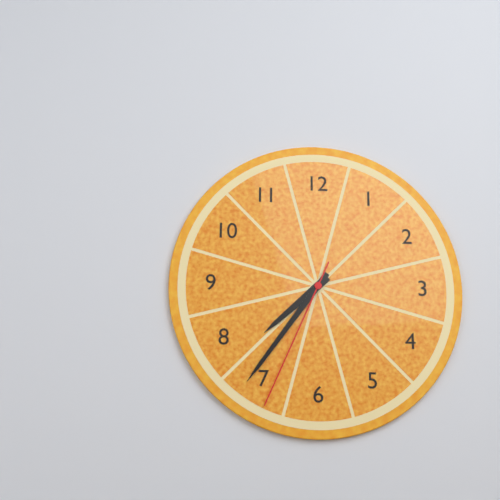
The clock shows 7h36m34s
